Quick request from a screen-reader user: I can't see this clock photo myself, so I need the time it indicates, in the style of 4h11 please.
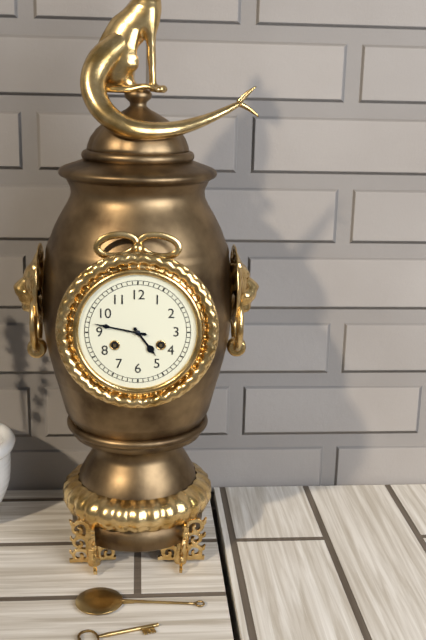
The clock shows 4h47
